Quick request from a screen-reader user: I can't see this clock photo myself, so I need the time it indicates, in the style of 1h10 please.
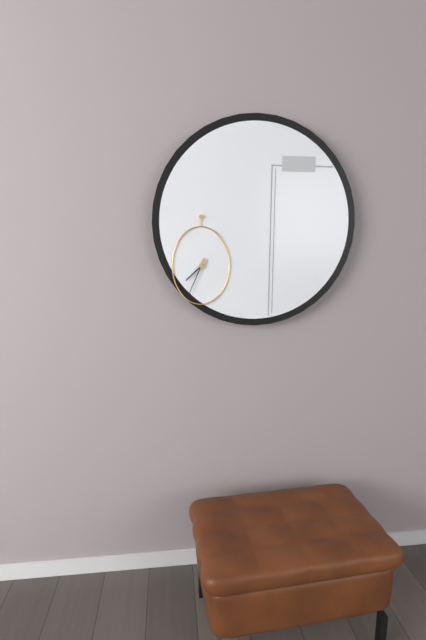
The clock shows 7h34
